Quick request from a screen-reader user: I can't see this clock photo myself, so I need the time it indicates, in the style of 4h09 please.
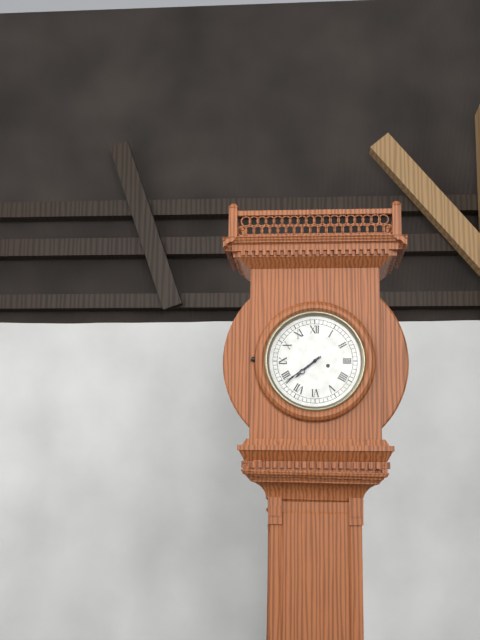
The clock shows 7h39
